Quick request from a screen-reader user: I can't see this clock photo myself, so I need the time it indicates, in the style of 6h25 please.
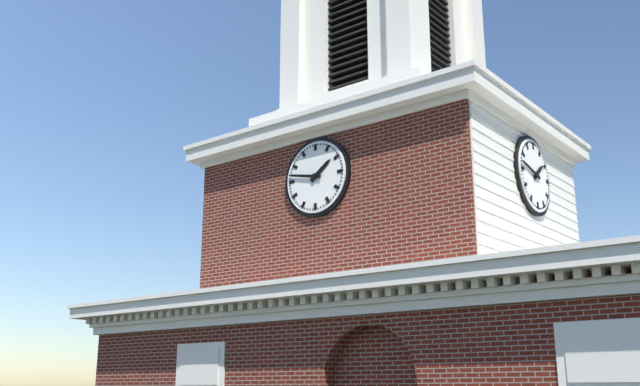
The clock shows 1h47
